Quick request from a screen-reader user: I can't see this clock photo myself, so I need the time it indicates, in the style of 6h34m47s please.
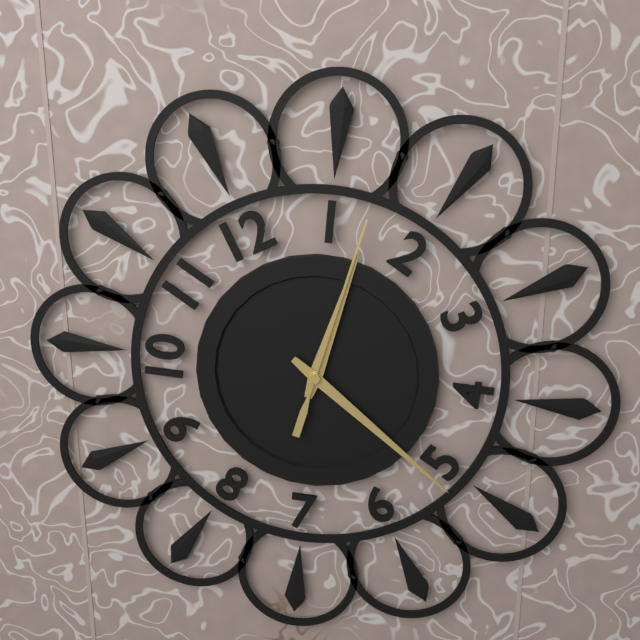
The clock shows 1h26m07s
